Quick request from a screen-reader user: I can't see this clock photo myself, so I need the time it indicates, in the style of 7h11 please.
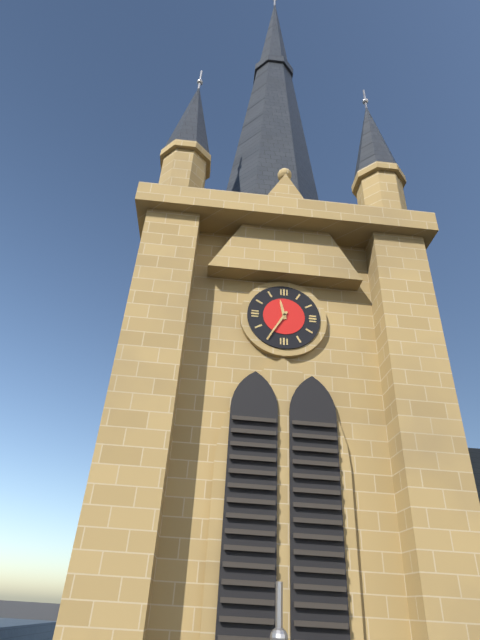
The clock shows 11h35
